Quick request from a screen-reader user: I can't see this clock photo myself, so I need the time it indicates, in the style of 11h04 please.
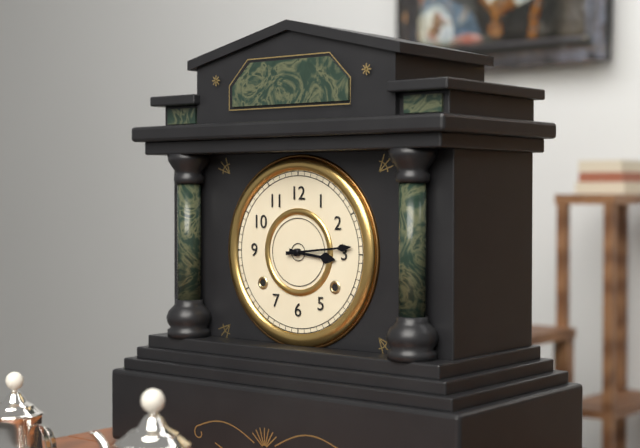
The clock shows 3h14
